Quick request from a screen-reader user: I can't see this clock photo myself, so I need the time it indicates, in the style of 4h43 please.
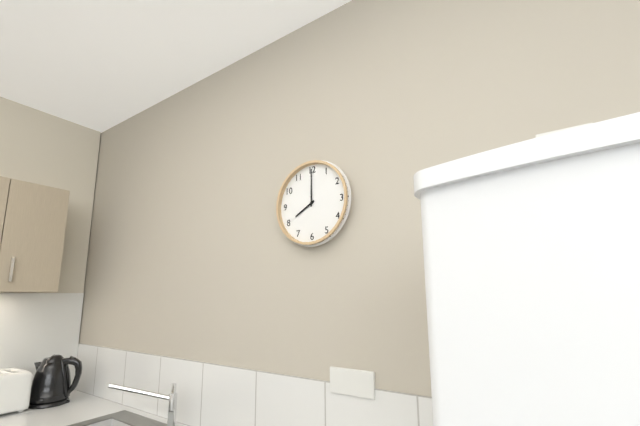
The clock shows 8h00
